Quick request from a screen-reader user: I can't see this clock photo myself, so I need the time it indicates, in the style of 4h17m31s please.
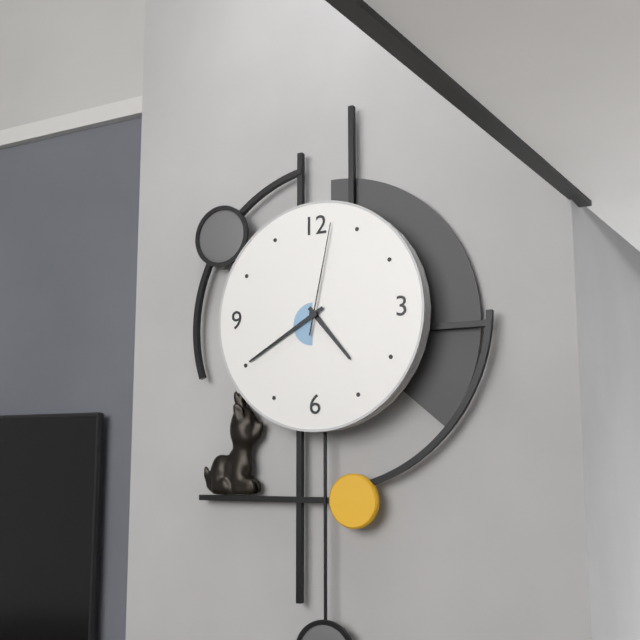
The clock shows 4h40m02s
